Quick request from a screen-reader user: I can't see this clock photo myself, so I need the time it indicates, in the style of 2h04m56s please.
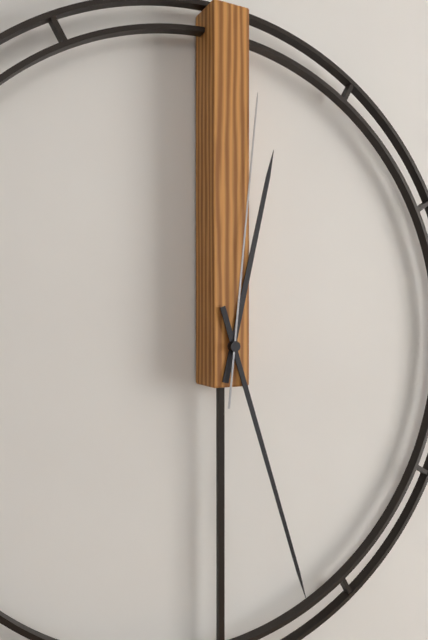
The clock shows 12h27m01s
